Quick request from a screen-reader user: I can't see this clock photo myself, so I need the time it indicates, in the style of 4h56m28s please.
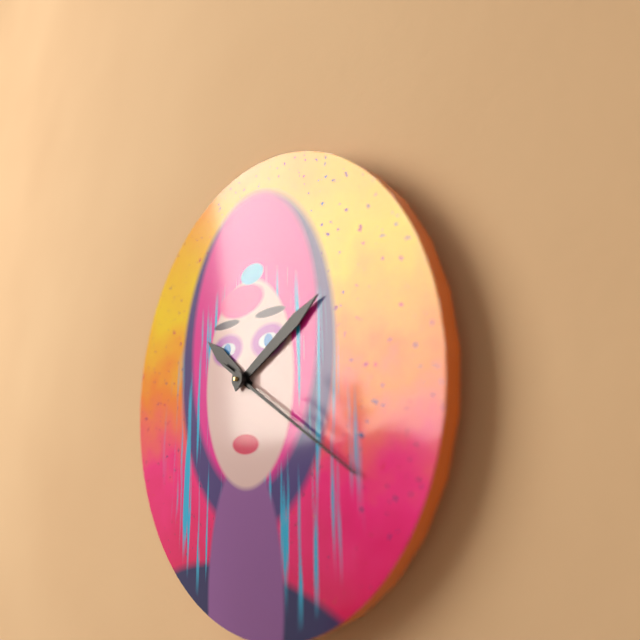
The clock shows 10h10m20s
